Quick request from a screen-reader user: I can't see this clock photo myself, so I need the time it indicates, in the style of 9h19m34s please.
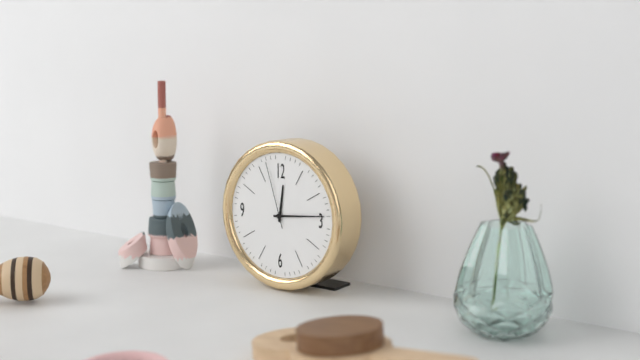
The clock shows 12h14m57s
